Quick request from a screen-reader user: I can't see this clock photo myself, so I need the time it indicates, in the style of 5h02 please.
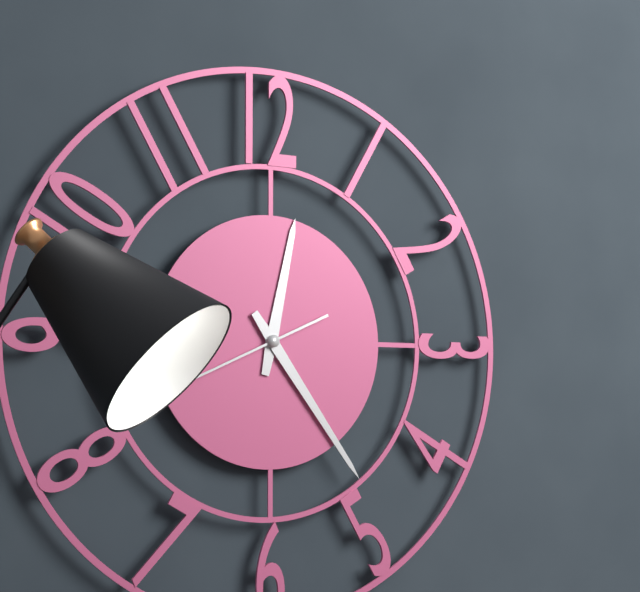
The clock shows 12h24
